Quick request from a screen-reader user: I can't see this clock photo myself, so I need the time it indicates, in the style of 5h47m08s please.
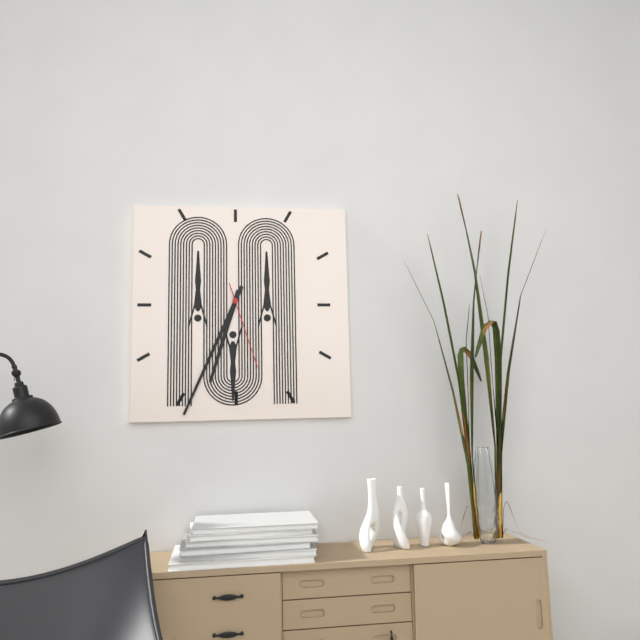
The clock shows 6h34m27s
